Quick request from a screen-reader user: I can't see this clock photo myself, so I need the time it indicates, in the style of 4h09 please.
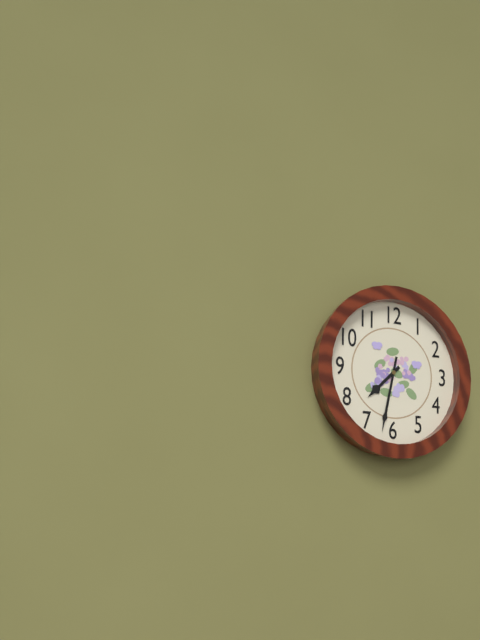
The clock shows 7h32
